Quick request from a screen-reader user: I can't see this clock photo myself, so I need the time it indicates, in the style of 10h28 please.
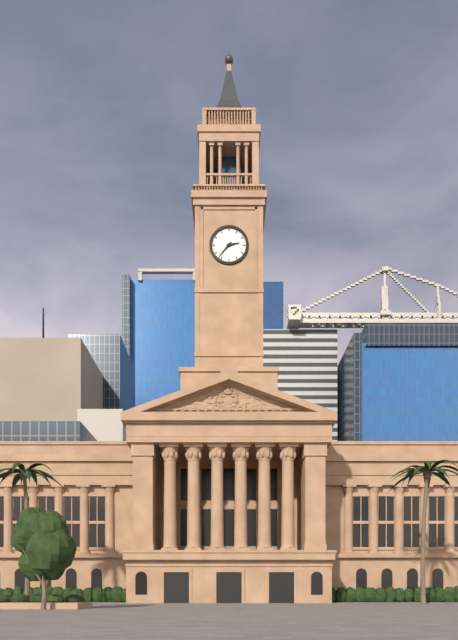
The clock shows 2h37
